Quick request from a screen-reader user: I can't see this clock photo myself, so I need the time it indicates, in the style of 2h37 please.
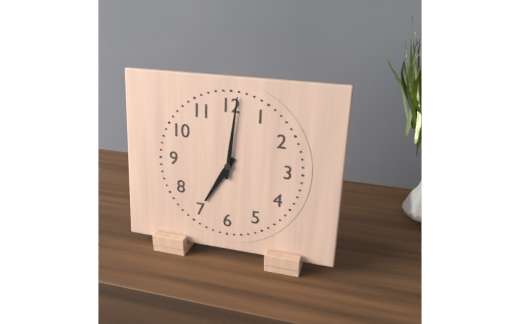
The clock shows 7h01
